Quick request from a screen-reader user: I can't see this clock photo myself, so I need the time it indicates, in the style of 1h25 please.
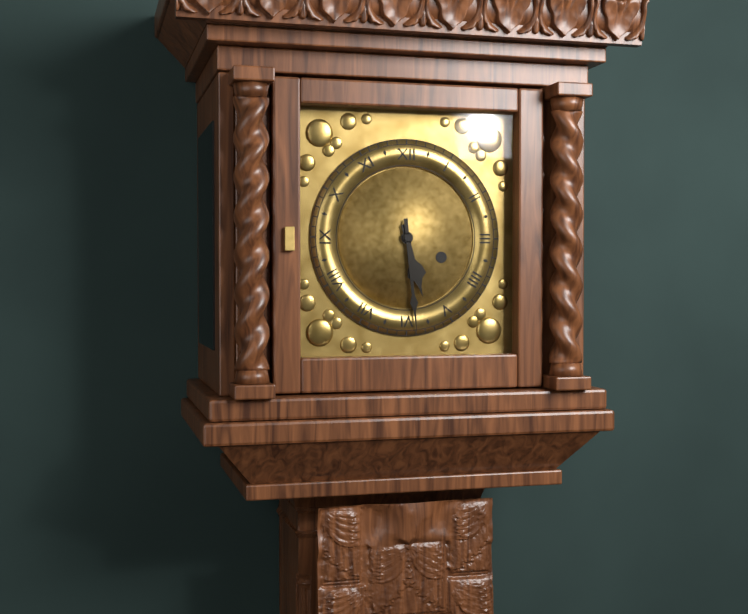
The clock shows 5h29
